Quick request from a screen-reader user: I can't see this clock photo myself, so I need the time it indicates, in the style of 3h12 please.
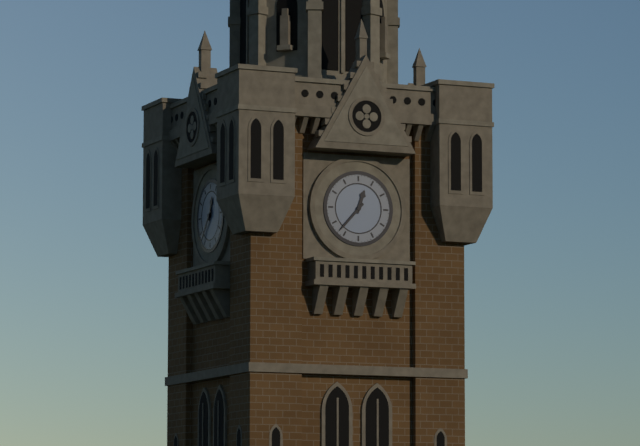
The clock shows 12h37
